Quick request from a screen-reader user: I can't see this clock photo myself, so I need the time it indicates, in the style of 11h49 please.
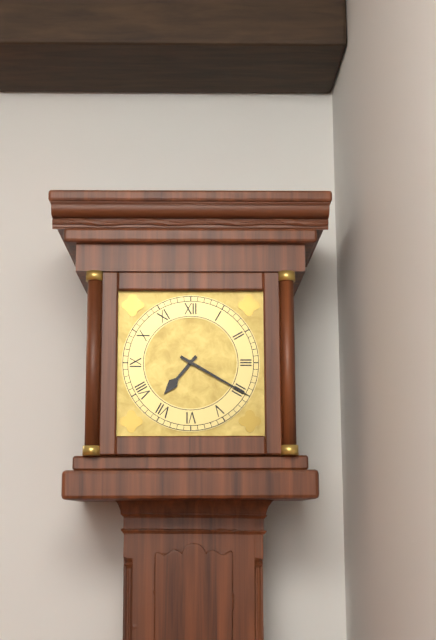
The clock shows 7h20
